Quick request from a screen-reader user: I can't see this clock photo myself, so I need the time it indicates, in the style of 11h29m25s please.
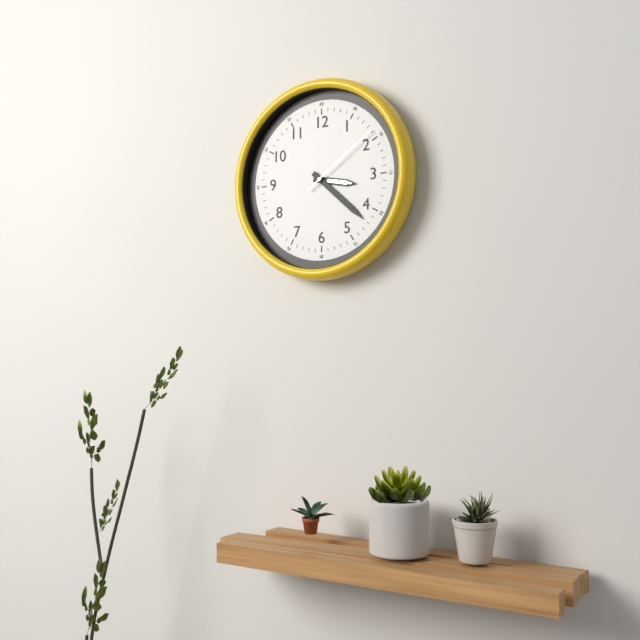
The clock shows 3h22m09s
